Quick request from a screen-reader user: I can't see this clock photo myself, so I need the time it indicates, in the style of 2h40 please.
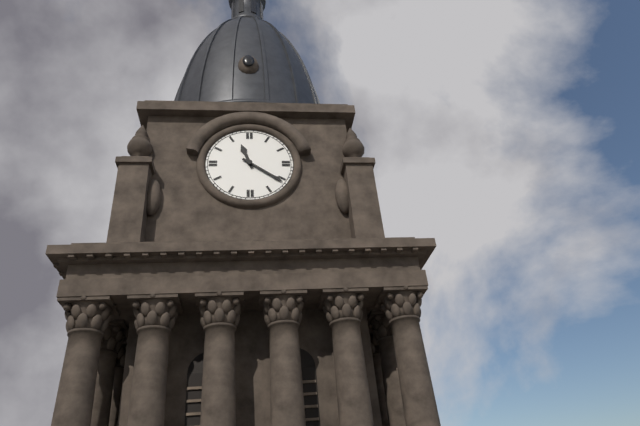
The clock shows 11h21
